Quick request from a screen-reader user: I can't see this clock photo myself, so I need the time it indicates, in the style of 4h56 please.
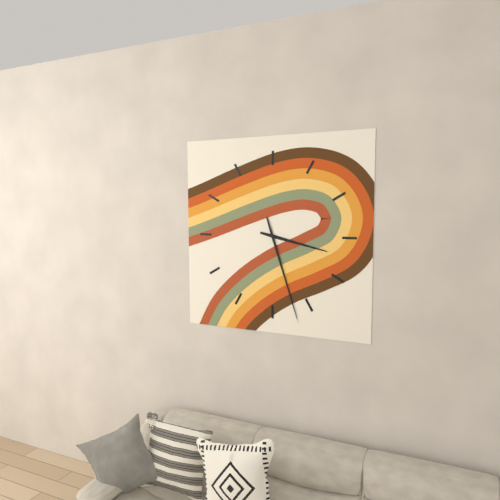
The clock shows 3h27
